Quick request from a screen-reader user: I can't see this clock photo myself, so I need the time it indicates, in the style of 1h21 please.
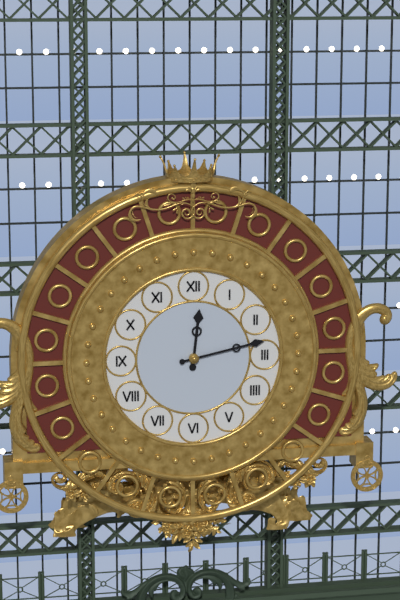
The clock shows 12h13
